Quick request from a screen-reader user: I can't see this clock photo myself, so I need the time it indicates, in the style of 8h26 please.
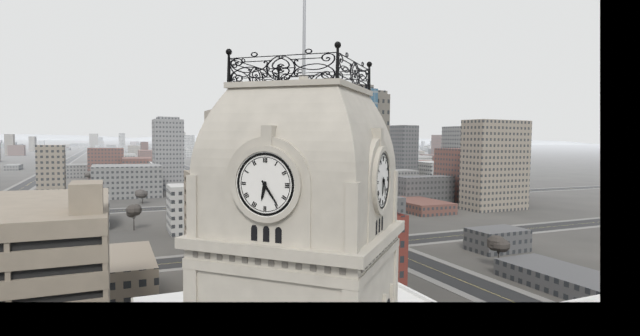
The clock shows 6h24
